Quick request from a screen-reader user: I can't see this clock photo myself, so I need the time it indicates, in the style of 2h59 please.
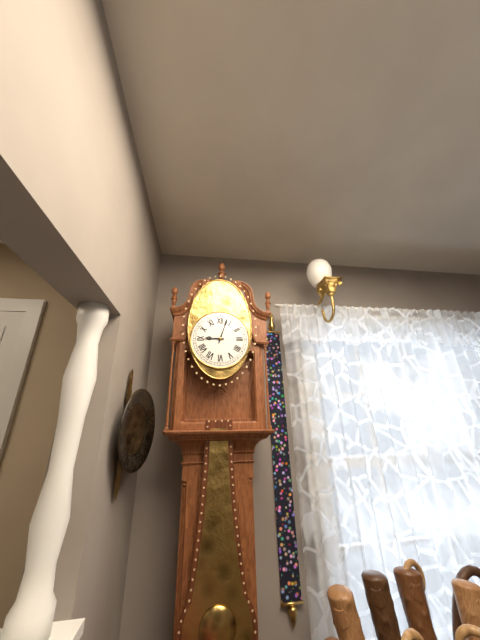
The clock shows 9h03
